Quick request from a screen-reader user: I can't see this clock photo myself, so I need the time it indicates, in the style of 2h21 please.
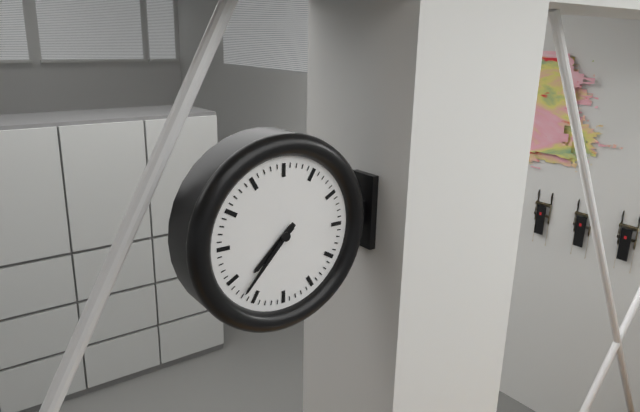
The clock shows 7h37
